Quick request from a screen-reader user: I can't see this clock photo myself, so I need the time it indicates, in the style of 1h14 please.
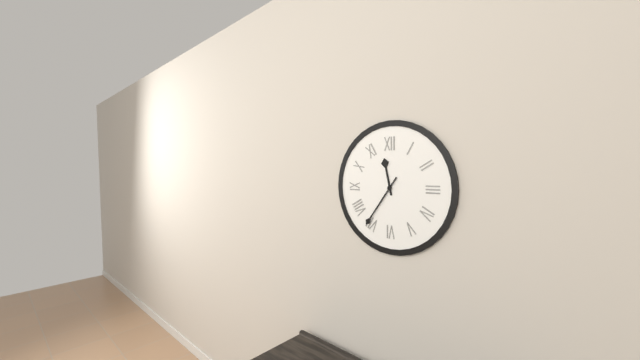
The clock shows 11h36
